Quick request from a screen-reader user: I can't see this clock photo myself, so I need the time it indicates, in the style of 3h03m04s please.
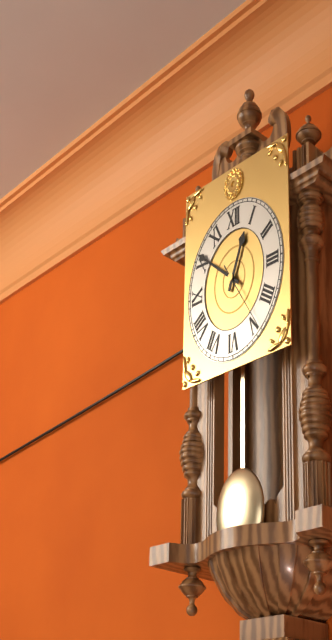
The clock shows 12h51m24s
